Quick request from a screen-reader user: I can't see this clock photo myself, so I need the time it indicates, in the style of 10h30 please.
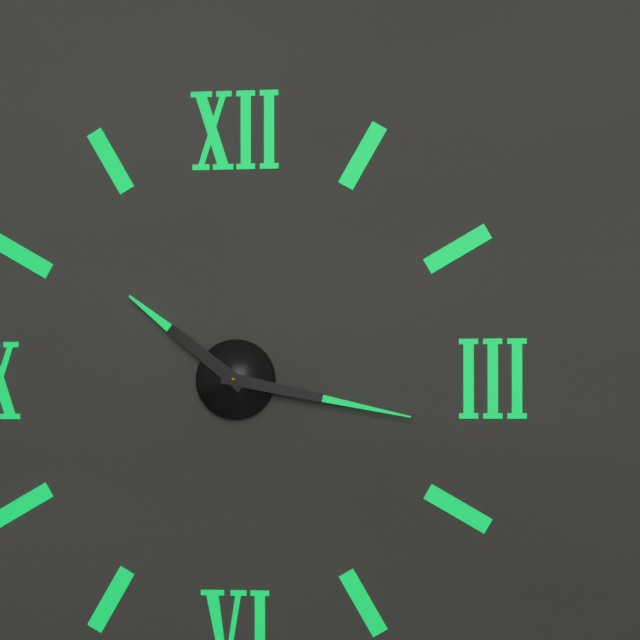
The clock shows 10h17
